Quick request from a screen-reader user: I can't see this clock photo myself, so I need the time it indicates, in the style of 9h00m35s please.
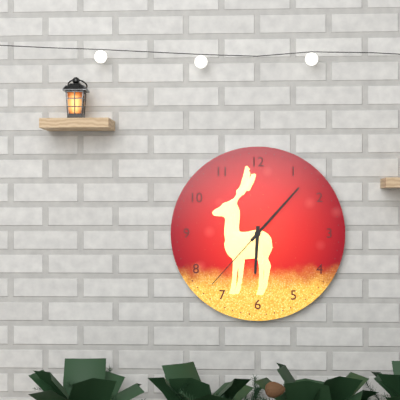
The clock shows 6h07m37s
